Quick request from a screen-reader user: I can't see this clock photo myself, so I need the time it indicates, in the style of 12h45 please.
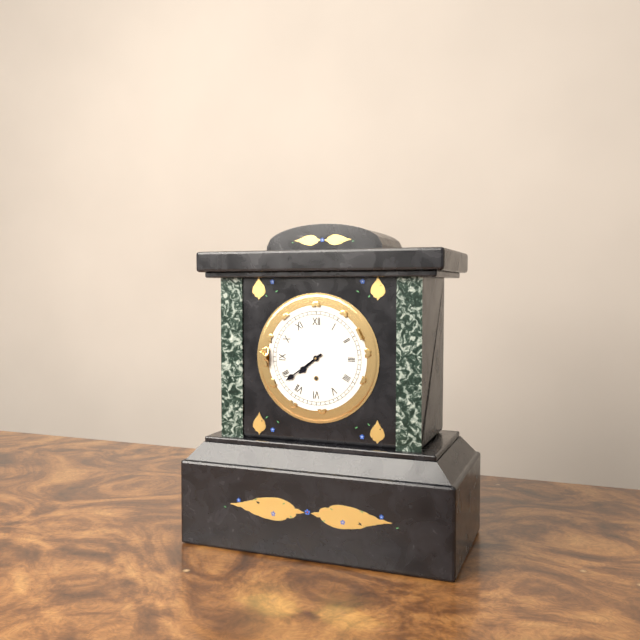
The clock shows 7h39
